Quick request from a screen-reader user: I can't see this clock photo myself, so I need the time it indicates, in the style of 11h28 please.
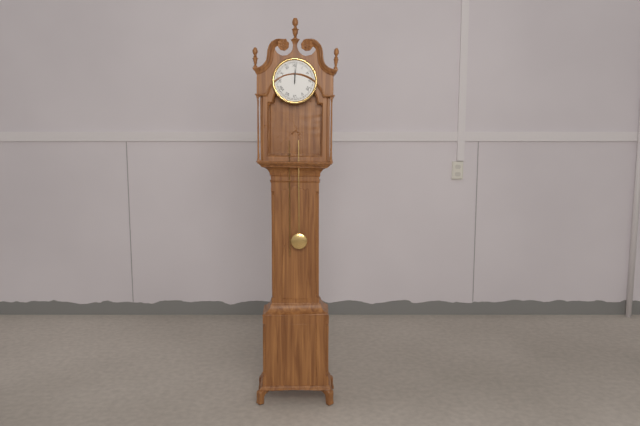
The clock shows 12h01
